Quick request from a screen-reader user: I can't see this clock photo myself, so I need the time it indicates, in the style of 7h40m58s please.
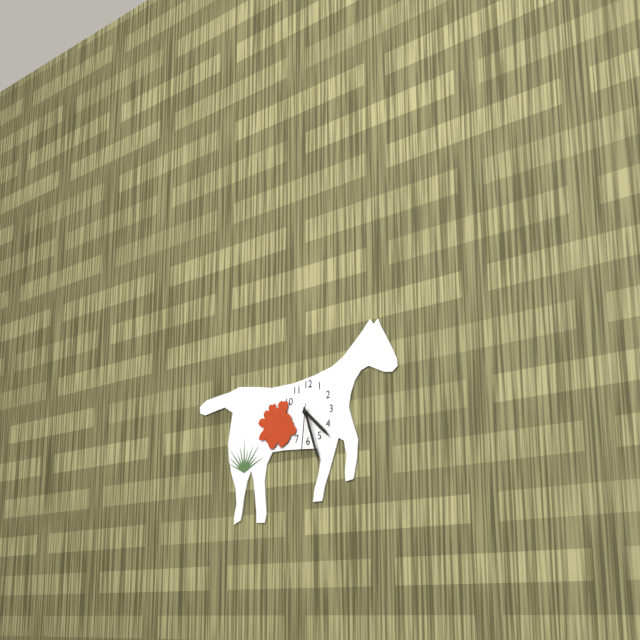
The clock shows 4h27m31s
